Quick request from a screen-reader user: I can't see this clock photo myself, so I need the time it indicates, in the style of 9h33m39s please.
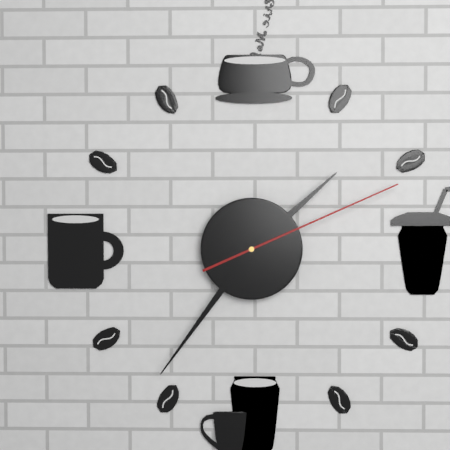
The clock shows 1h36m11s
